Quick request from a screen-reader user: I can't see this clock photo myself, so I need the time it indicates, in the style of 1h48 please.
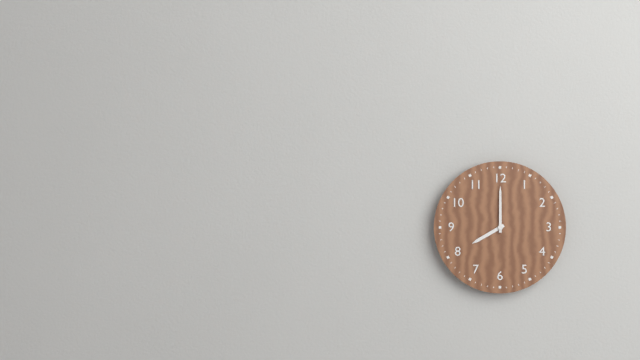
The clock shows 8h00
